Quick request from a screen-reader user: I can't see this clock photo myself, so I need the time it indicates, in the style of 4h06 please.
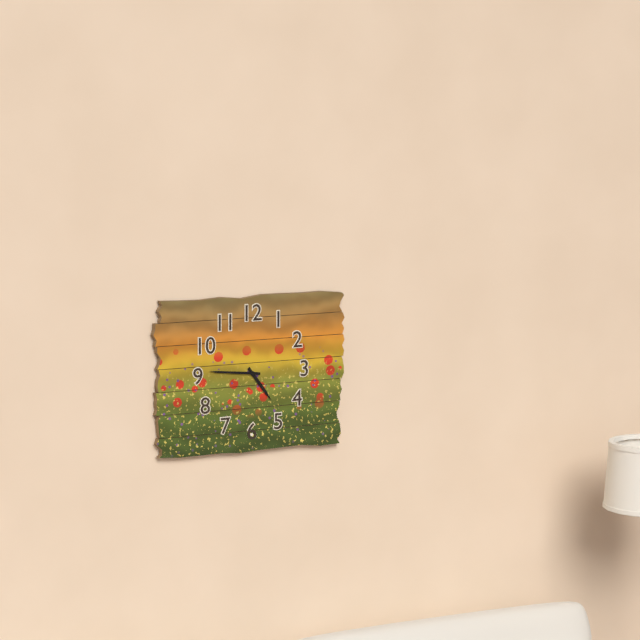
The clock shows 4h46
